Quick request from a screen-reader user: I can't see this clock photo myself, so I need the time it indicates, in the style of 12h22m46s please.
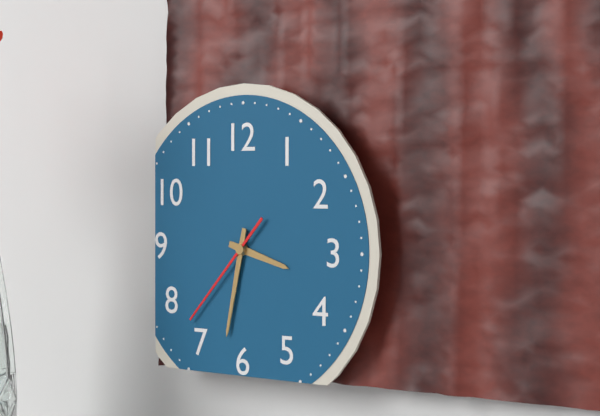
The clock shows 3h32m37s
